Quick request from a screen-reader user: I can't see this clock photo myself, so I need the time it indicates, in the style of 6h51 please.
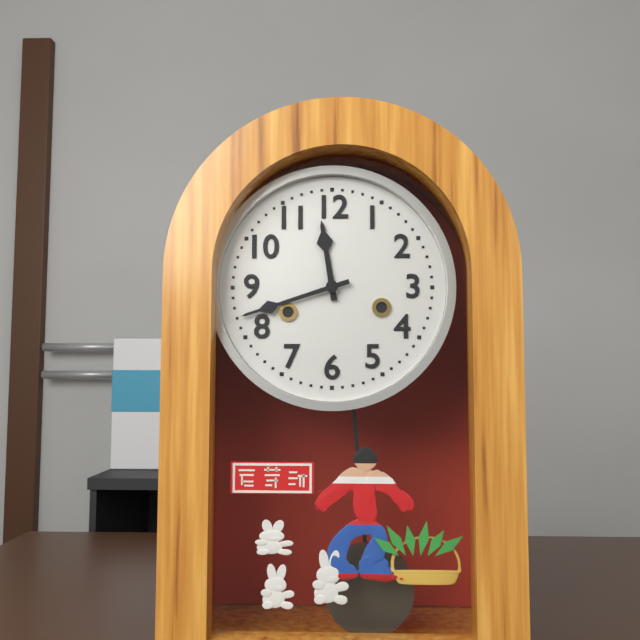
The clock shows 11h42
